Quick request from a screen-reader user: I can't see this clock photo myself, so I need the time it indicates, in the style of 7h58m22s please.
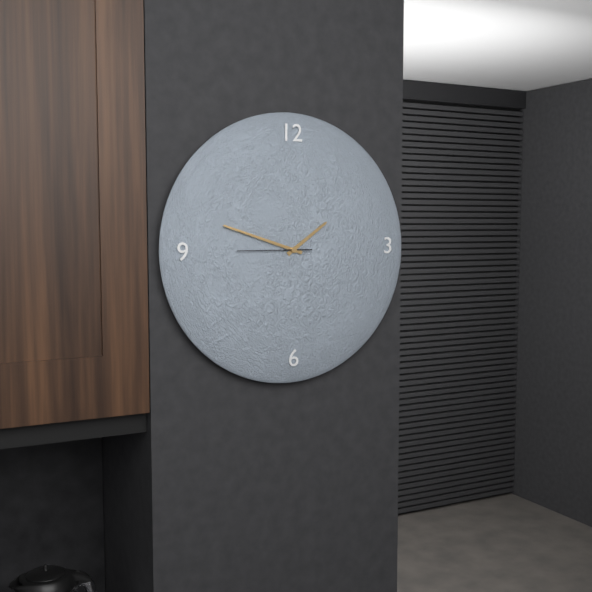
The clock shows 1h48m45s
